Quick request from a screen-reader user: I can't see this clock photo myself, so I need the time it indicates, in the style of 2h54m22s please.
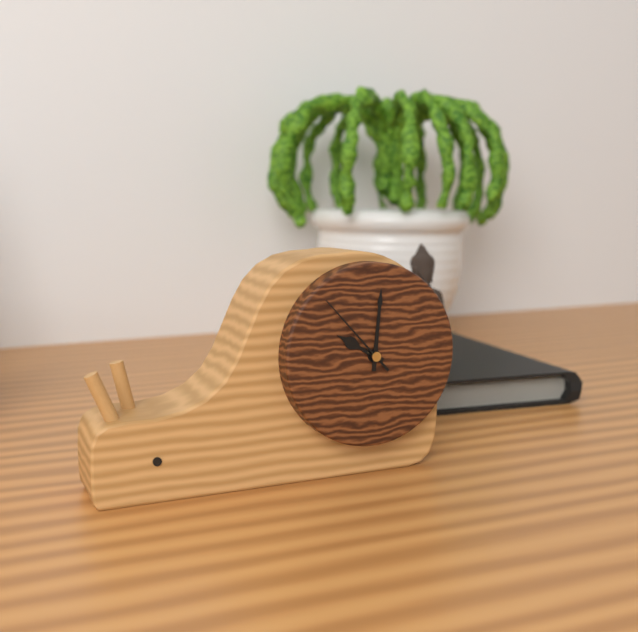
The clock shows 10h01m53s
